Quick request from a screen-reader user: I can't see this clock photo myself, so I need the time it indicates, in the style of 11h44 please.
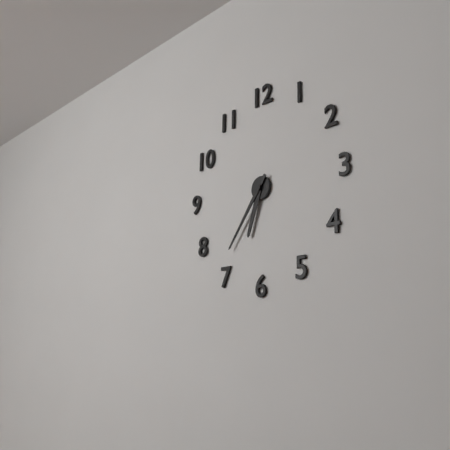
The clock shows 6h36
